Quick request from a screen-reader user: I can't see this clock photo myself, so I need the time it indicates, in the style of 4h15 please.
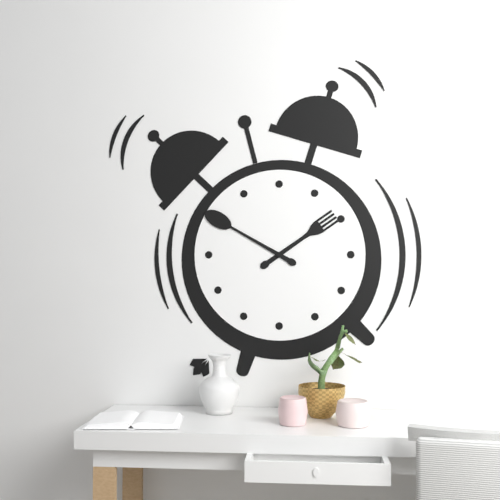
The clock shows 1h50
